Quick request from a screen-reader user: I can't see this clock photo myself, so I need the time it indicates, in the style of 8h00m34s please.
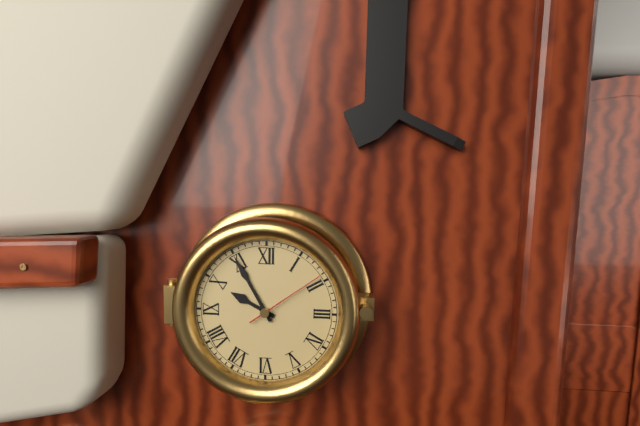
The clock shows 9h55m09s
